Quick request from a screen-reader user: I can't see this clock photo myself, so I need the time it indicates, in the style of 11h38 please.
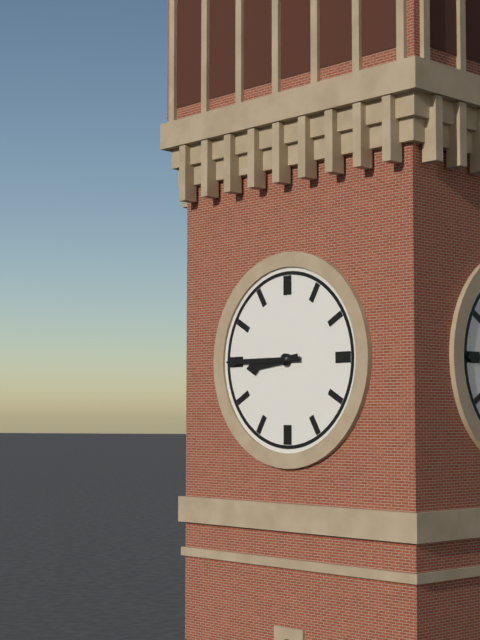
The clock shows 8h45
